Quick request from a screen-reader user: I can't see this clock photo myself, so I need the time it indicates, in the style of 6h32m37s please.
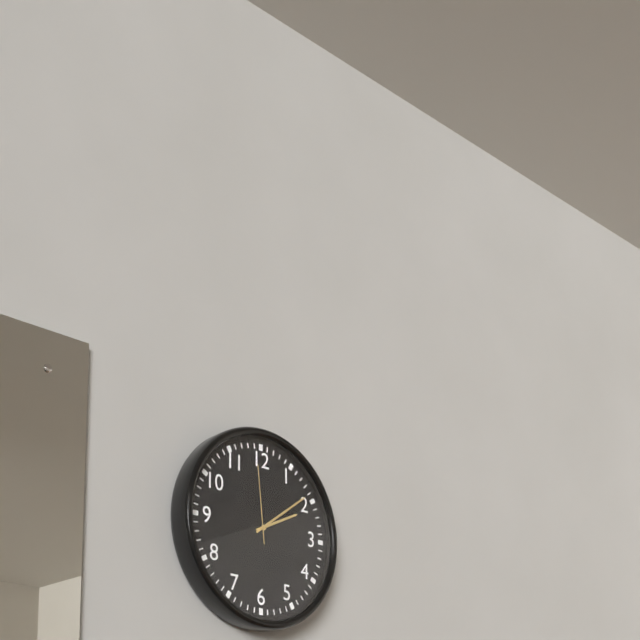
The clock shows 2h09m59s
